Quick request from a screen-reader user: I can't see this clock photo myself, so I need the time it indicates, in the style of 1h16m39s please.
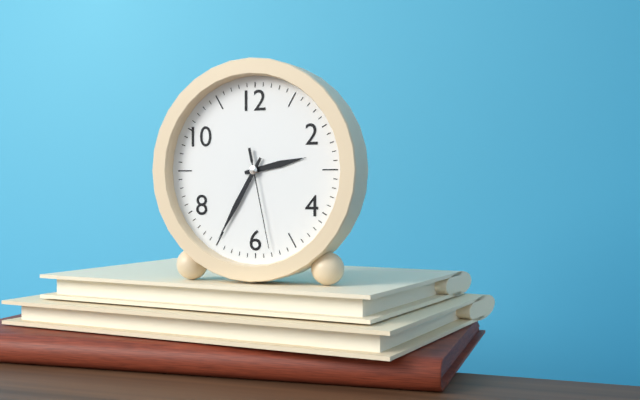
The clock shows 2h35m28s
